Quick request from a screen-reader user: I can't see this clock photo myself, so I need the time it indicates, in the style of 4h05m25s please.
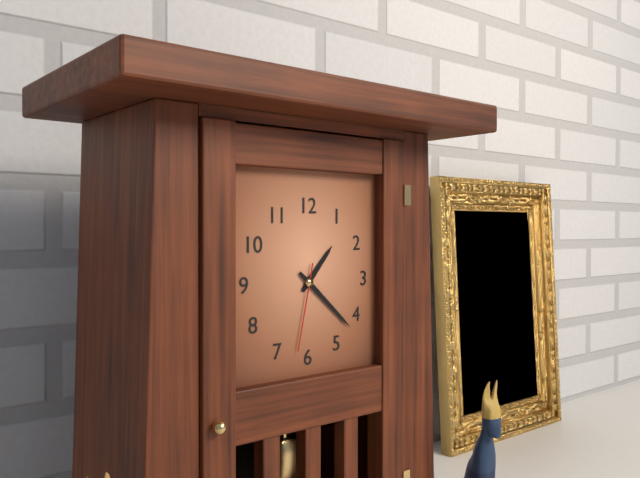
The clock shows 1h22m32s
